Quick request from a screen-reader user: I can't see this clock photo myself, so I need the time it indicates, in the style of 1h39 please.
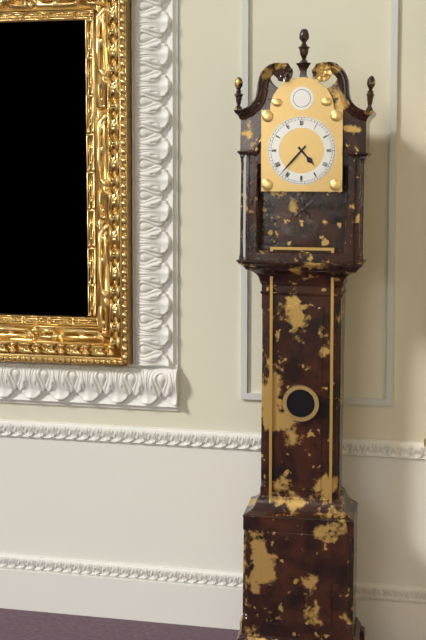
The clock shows 4h37
